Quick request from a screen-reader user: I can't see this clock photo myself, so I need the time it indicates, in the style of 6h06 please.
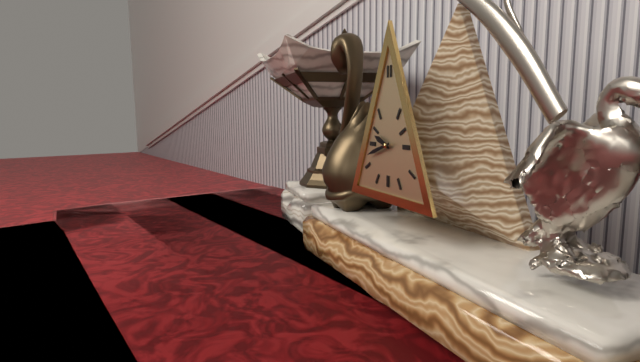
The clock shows 9h42
